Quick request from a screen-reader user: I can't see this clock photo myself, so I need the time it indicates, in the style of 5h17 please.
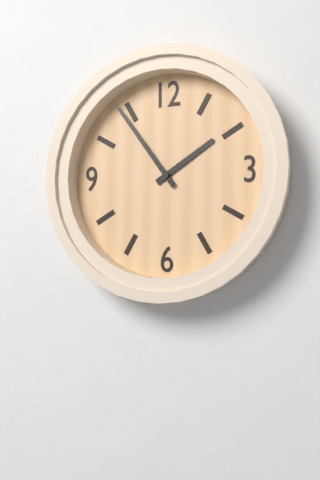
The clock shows 1h54
